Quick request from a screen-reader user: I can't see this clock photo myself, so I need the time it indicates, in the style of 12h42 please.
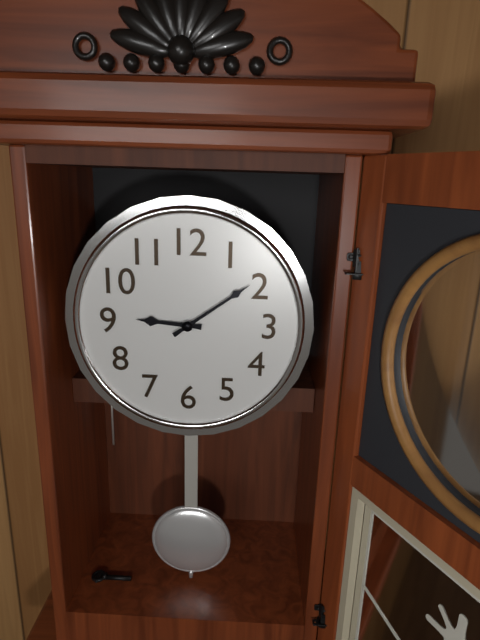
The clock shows 9h09
